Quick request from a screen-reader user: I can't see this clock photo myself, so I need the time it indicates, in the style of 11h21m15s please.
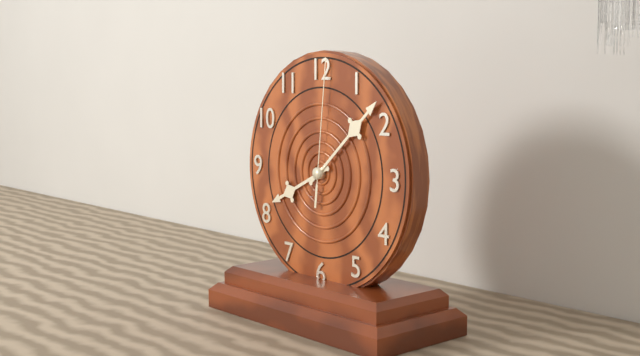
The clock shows 8h08m01s
